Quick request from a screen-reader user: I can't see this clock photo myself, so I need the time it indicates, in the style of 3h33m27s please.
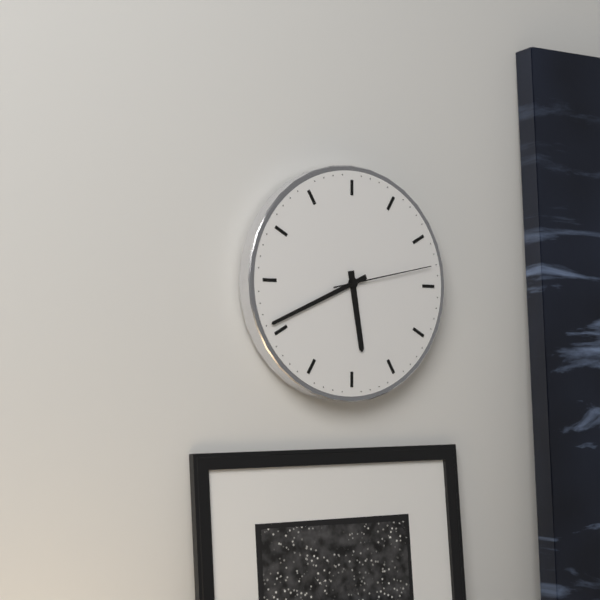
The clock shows 5h41m13s
